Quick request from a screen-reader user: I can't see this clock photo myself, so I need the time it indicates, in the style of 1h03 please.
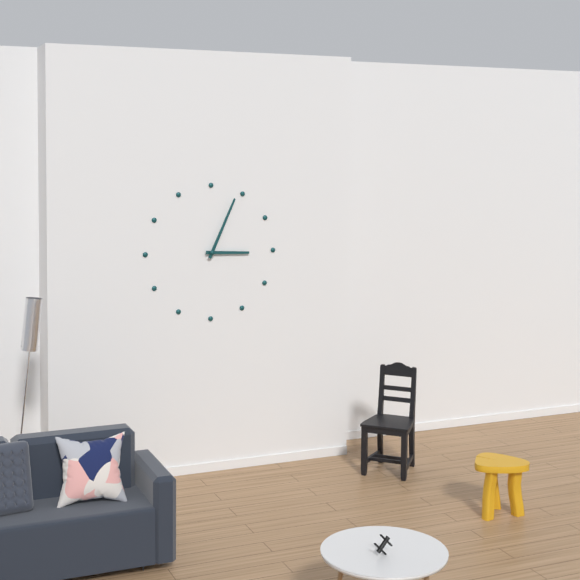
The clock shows 3h04
